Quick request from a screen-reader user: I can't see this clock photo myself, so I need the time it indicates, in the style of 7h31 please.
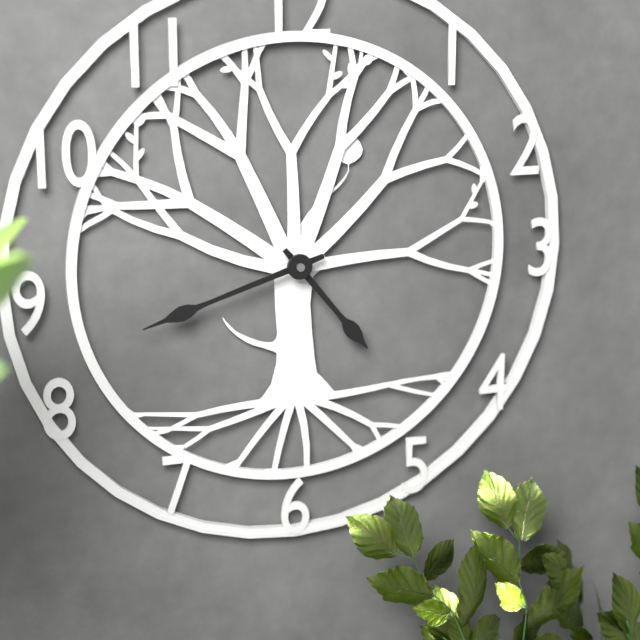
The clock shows 4h42
